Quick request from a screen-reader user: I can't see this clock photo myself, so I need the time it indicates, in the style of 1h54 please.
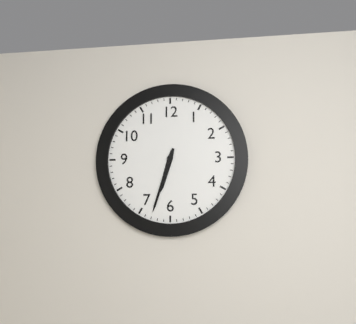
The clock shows 6h33
